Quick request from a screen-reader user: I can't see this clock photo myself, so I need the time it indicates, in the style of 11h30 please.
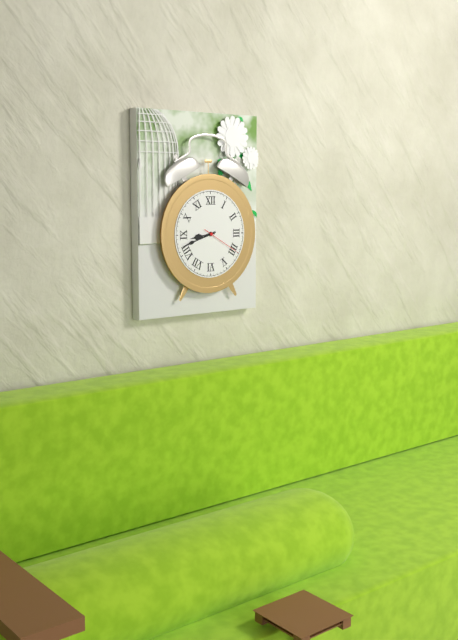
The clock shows 8h42
